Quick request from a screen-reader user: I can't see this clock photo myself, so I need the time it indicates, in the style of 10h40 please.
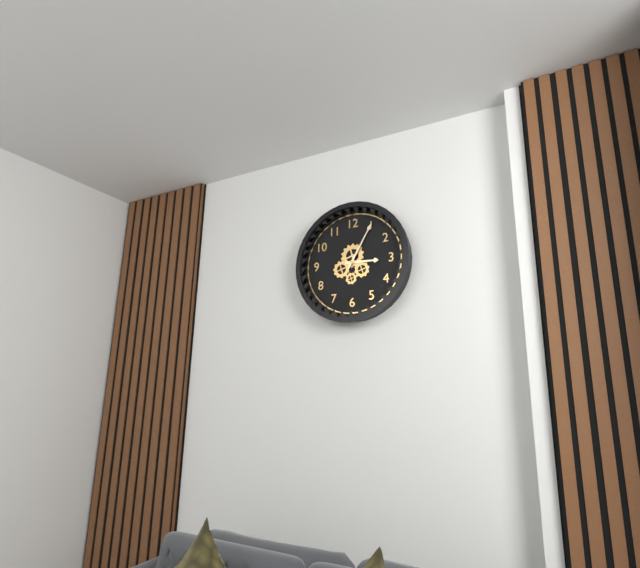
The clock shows 3h05
